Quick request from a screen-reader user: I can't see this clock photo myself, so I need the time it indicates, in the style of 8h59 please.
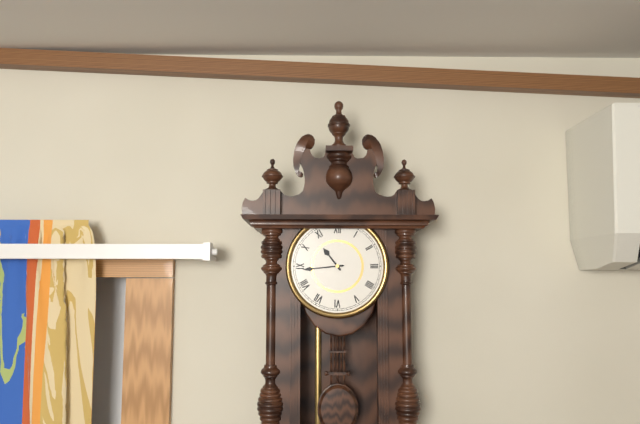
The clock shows 10h44
